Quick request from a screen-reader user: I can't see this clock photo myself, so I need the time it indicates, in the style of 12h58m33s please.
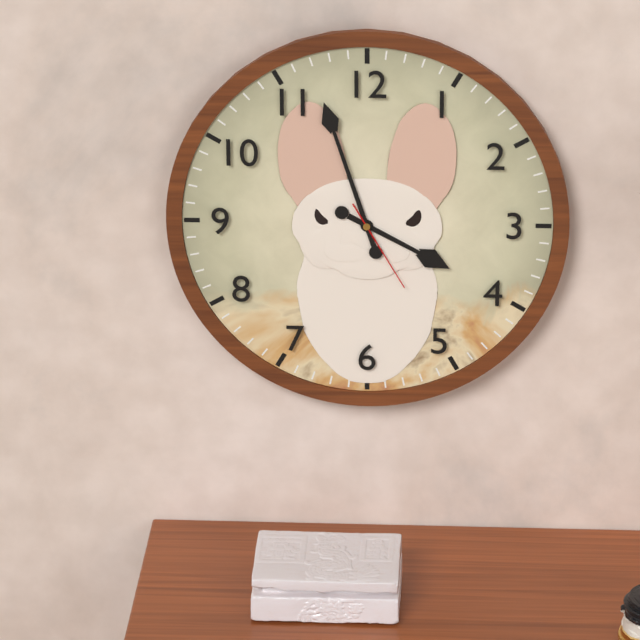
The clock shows 3h57m25s
